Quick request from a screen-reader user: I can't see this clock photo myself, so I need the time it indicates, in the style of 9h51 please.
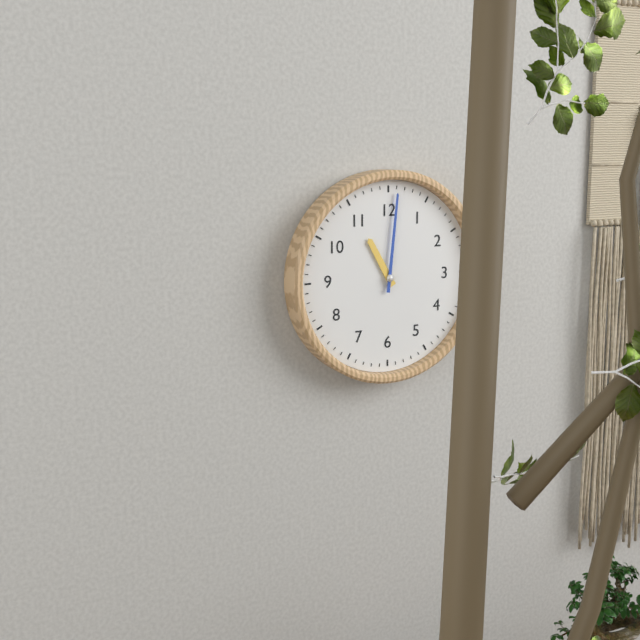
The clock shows 11h01
